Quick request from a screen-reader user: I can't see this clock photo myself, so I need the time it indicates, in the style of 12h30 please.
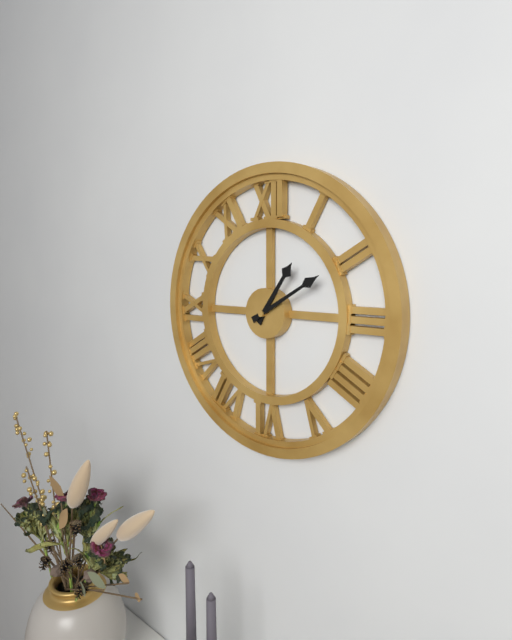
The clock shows 1h10
